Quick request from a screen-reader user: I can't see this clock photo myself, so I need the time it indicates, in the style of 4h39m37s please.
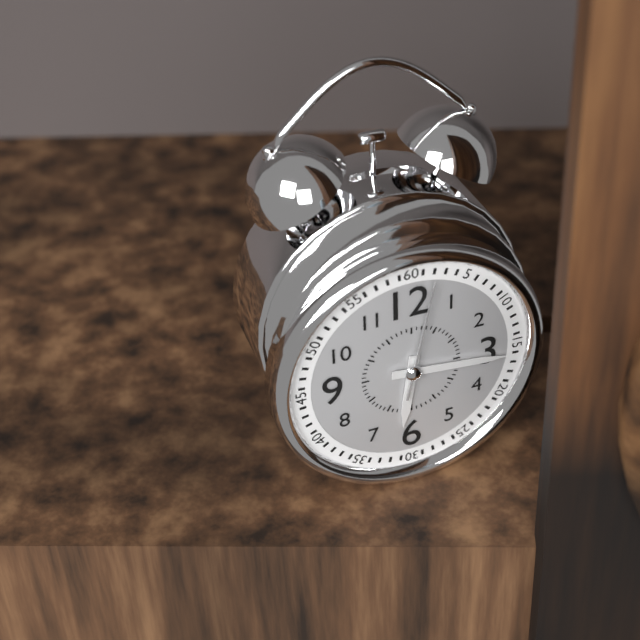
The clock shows 6h16m02s
